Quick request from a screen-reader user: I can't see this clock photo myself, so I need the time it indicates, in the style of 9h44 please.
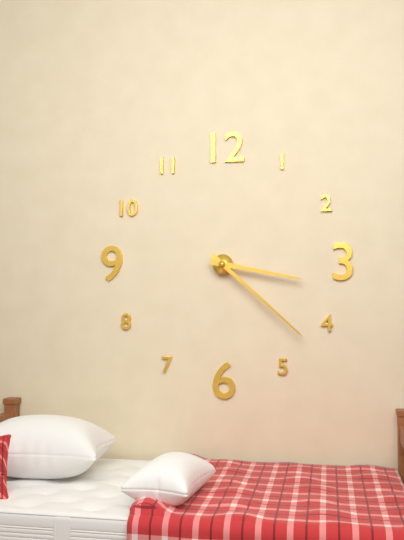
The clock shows 3h22
